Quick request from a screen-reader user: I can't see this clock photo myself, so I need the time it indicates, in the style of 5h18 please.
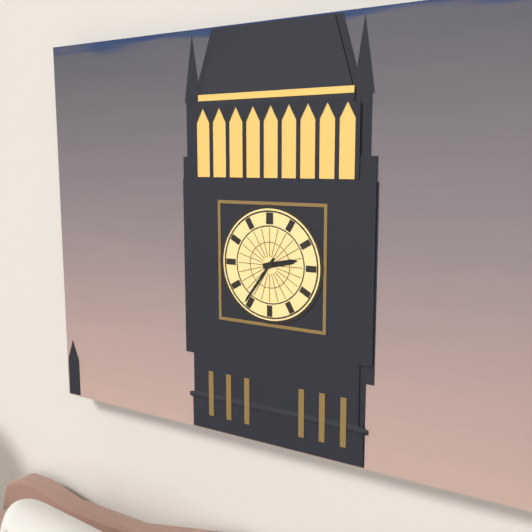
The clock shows 2h36
